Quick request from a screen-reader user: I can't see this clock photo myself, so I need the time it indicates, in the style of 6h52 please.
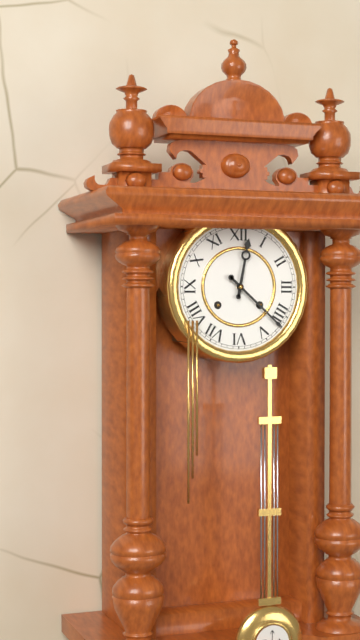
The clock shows 12h22
